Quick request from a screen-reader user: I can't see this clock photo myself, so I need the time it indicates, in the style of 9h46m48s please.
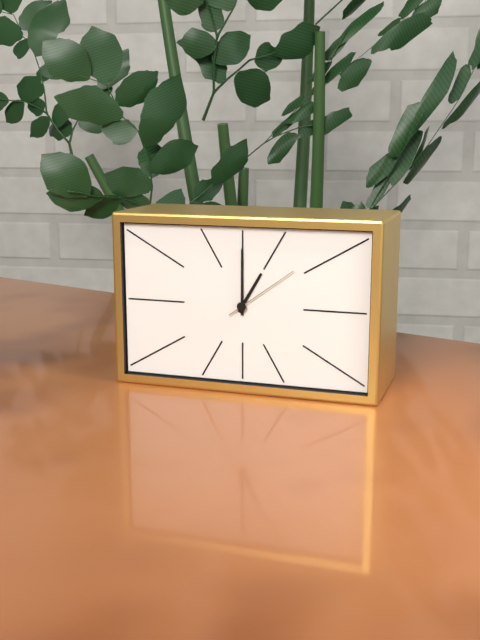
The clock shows 1h00m09s
